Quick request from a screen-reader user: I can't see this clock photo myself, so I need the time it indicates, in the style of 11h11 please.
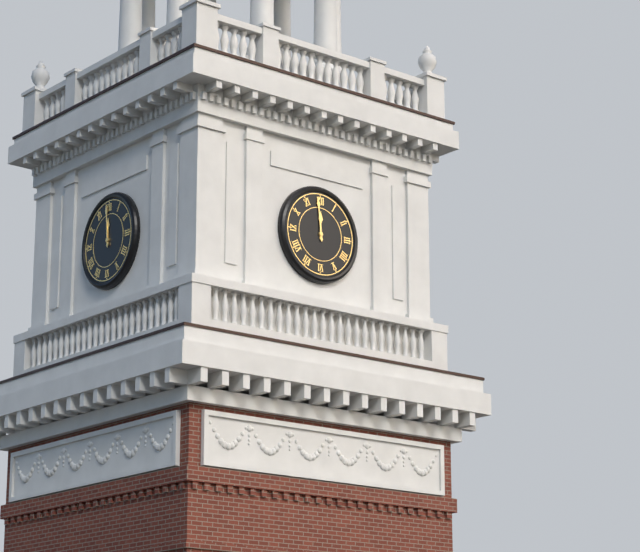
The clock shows 11h59
